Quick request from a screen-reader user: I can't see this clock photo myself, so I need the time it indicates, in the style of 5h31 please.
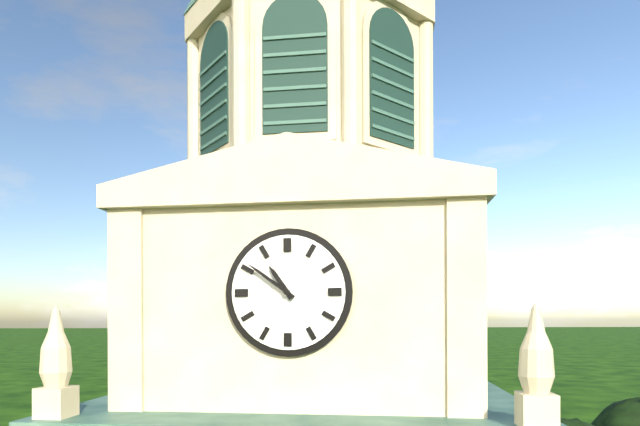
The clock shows 10h51
